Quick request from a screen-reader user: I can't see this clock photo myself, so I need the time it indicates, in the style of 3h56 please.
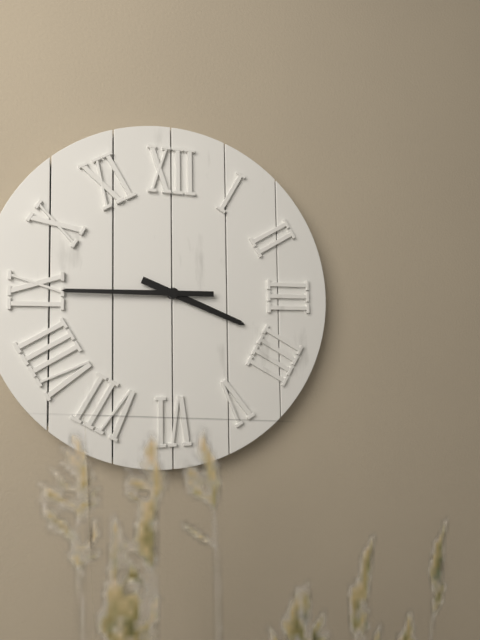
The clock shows 3h45
